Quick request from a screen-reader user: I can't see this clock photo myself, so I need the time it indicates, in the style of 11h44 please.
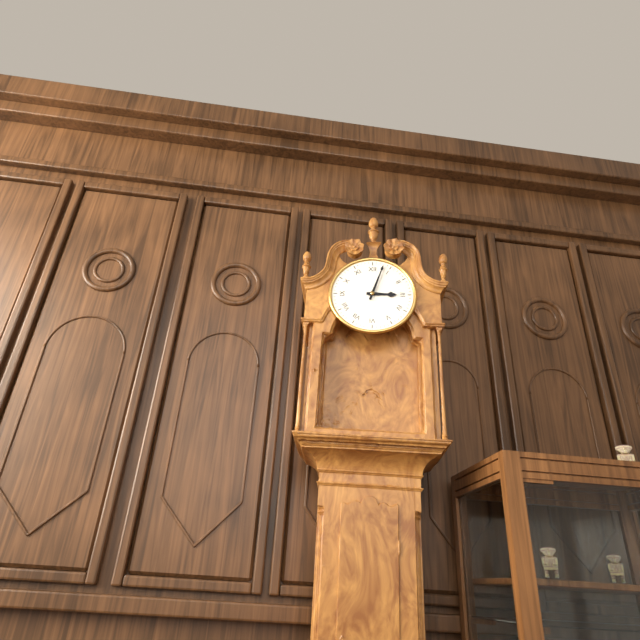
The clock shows 3h03
